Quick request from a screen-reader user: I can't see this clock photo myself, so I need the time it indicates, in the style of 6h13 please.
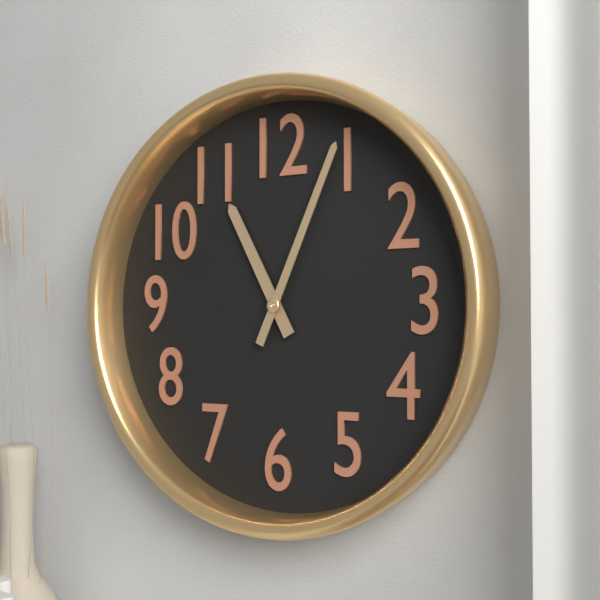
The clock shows 11h04
